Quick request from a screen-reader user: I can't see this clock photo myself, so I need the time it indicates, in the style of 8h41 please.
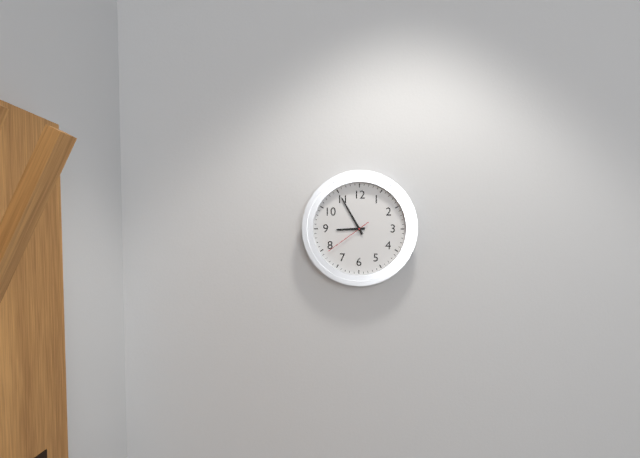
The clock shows 8h55
